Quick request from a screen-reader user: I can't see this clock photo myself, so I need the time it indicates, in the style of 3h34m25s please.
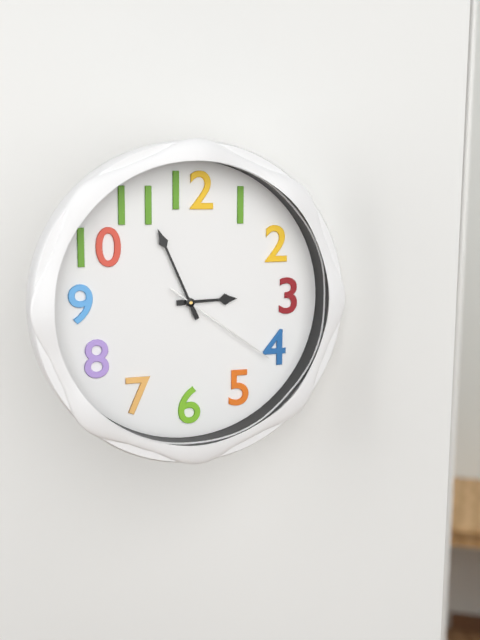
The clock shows 2h56m21s
